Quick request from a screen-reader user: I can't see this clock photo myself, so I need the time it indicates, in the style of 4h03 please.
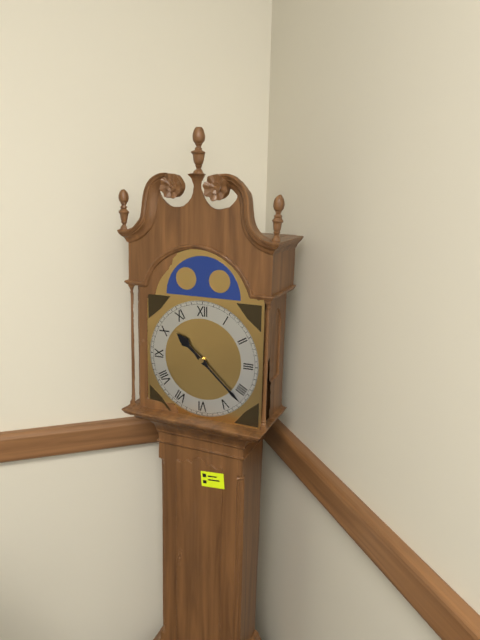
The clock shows 10h22
